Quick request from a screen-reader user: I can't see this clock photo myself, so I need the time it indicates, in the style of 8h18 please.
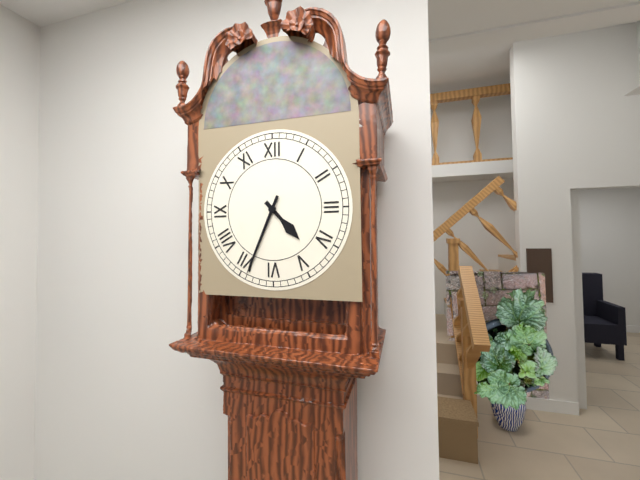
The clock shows 4h34
